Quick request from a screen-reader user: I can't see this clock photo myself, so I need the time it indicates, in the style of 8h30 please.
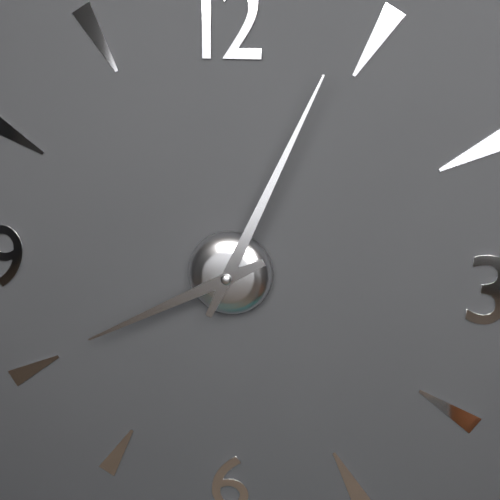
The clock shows 8h04
